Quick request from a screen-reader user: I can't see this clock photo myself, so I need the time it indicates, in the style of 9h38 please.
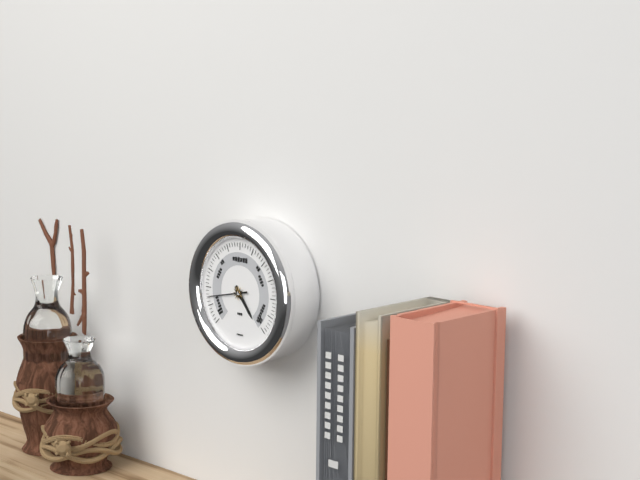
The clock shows 4h43
